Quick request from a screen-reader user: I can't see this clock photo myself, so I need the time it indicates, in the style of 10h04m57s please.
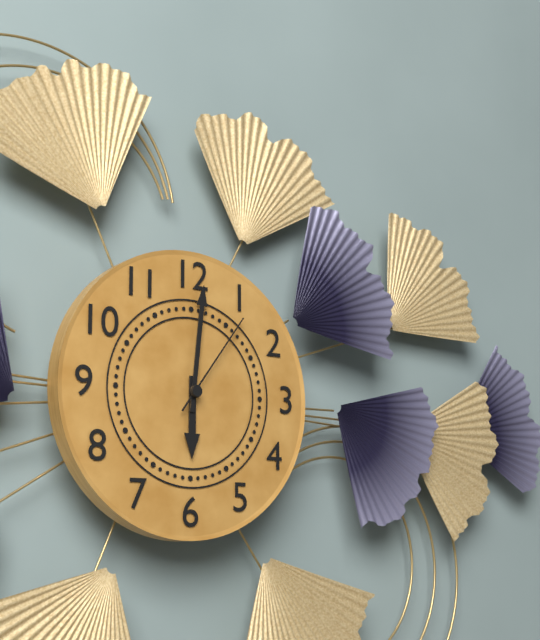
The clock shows 6h01m06s
